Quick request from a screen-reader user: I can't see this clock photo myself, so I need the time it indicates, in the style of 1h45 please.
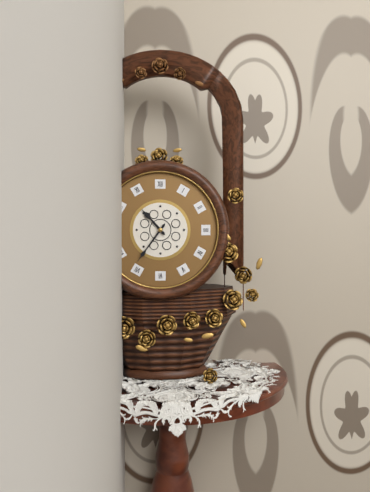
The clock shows 10h36
